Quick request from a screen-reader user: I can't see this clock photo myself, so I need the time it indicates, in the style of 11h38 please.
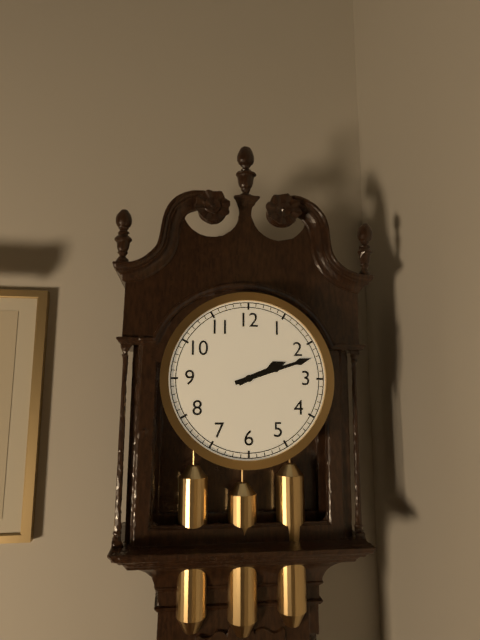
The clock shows 2h12
